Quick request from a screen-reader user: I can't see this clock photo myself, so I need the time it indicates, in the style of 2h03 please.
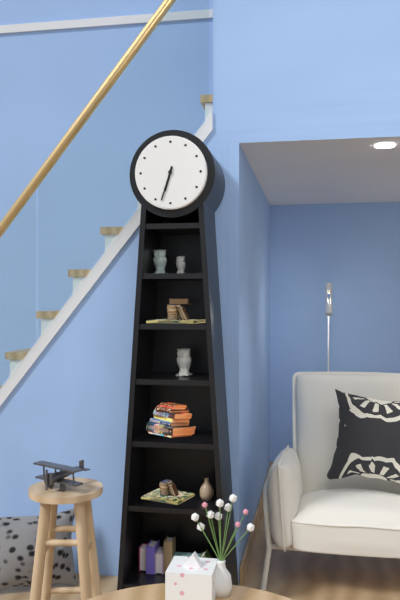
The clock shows 6h33
